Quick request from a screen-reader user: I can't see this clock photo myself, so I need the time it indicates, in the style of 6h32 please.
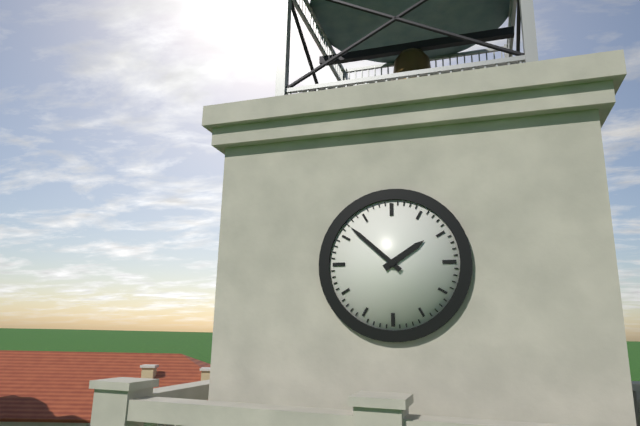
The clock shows 1h52
